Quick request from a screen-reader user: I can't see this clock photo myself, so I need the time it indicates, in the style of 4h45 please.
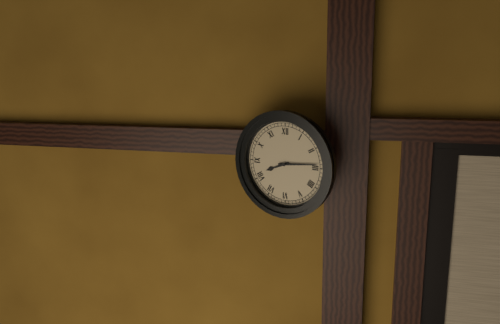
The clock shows 8h14
